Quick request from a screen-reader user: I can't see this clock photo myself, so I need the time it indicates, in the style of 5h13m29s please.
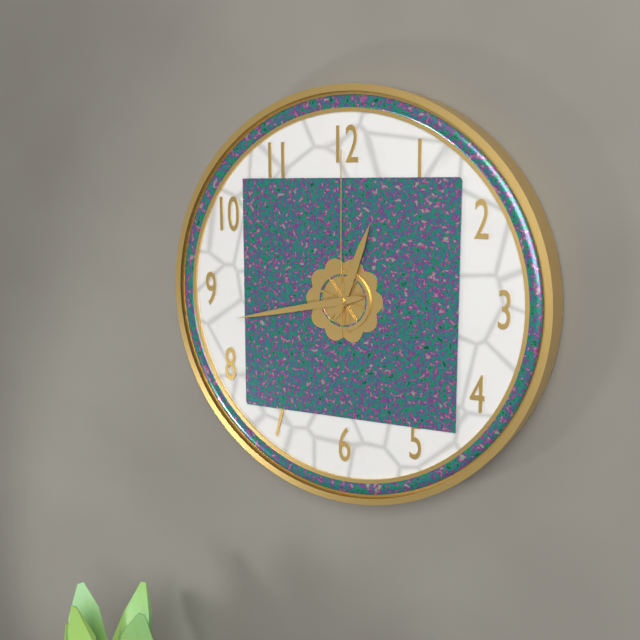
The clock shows 12h43m00s
